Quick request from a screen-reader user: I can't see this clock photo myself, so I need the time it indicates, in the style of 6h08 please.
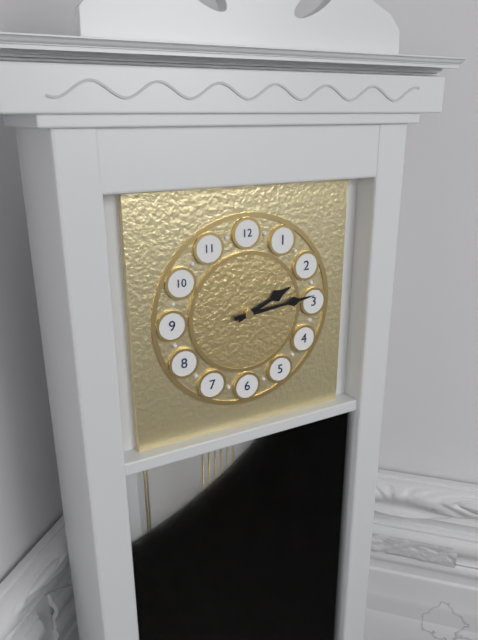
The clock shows 2h14
